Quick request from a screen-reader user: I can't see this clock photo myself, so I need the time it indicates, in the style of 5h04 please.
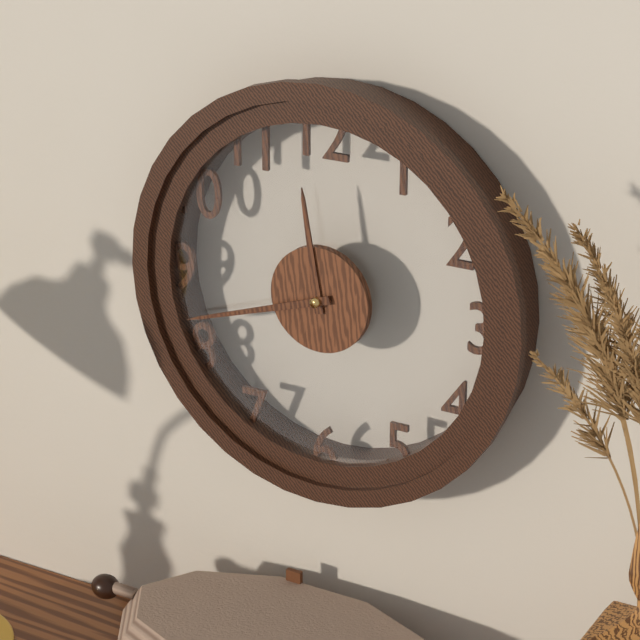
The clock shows 11h42
